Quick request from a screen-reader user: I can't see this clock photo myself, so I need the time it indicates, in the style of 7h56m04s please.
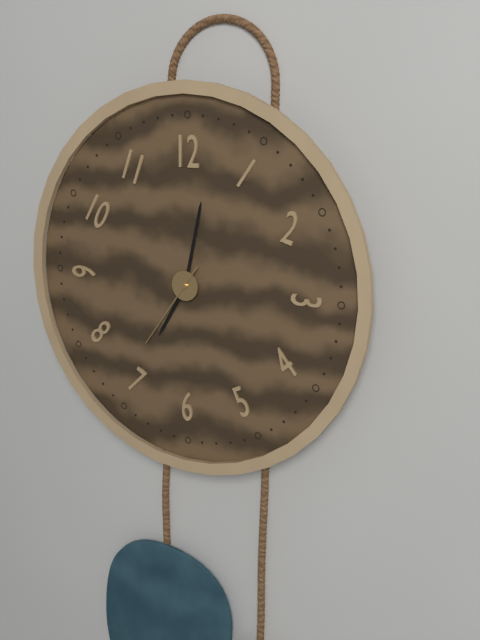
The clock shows 7h02m36s
